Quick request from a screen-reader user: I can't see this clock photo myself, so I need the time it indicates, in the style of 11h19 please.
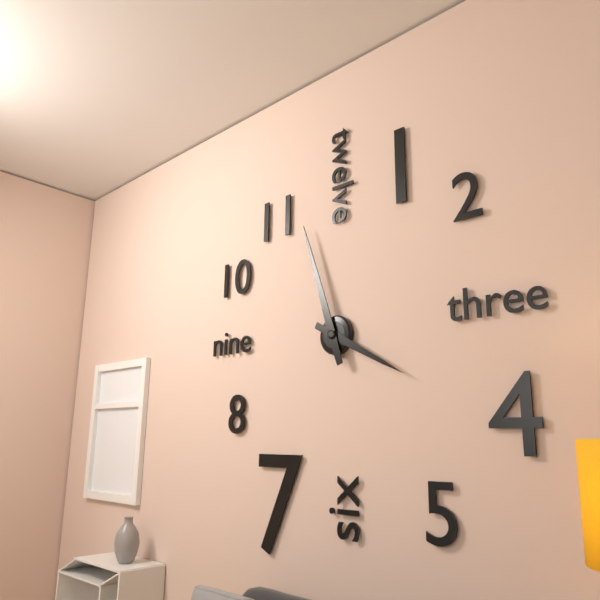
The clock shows 3h57
